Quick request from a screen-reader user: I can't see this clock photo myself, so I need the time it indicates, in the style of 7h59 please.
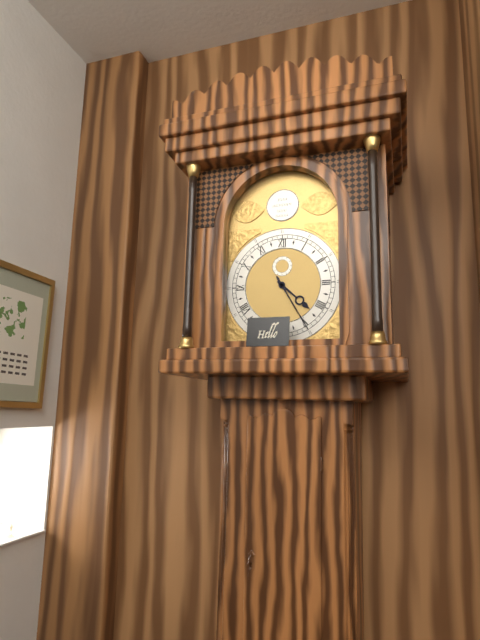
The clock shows 4h25
